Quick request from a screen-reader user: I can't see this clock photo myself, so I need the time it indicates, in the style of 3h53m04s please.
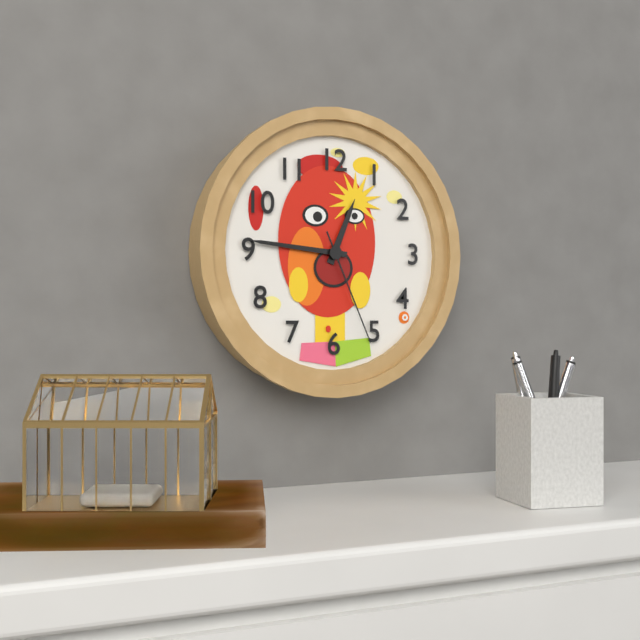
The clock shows 12h46m26s
